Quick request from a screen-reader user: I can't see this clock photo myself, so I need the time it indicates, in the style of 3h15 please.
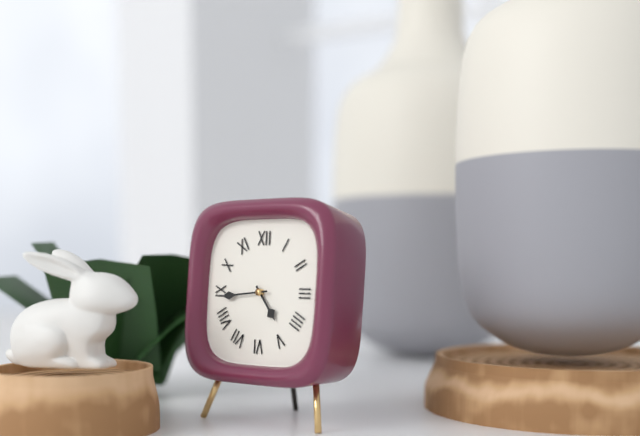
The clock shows 4h44
